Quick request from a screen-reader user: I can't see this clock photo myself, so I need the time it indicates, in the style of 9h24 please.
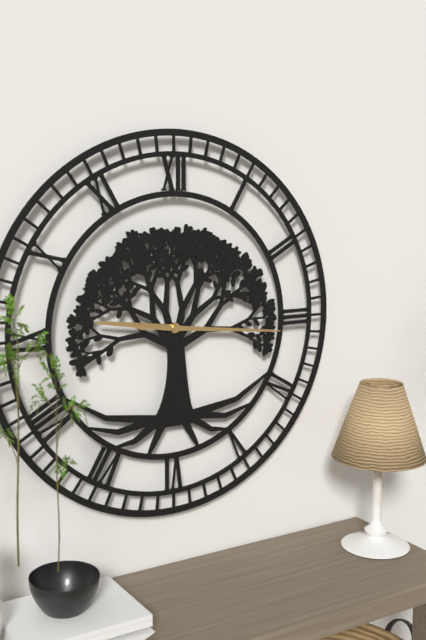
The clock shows 9h16
